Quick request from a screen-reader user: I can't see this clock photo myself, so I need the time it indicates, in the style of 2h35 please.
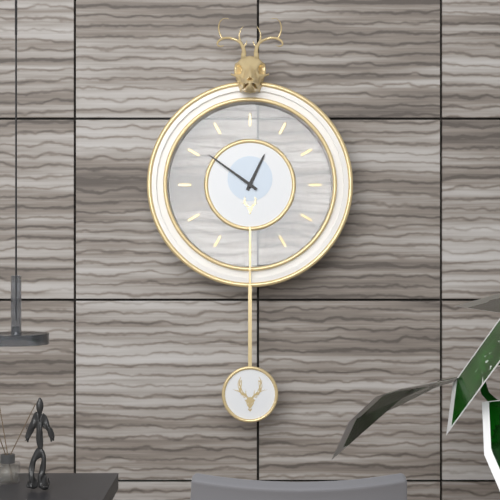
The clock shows 12h51
